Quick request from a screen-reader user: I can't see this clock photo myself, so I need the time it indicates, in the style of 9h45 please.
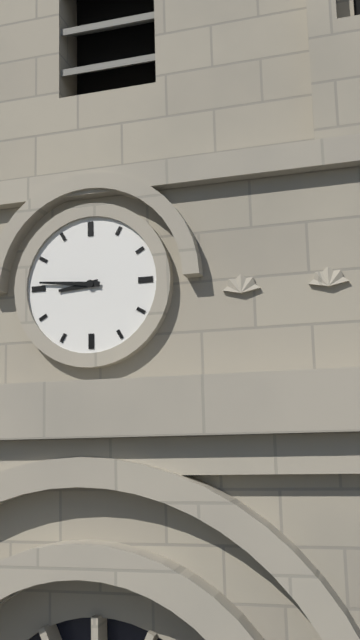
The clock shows 8h46
